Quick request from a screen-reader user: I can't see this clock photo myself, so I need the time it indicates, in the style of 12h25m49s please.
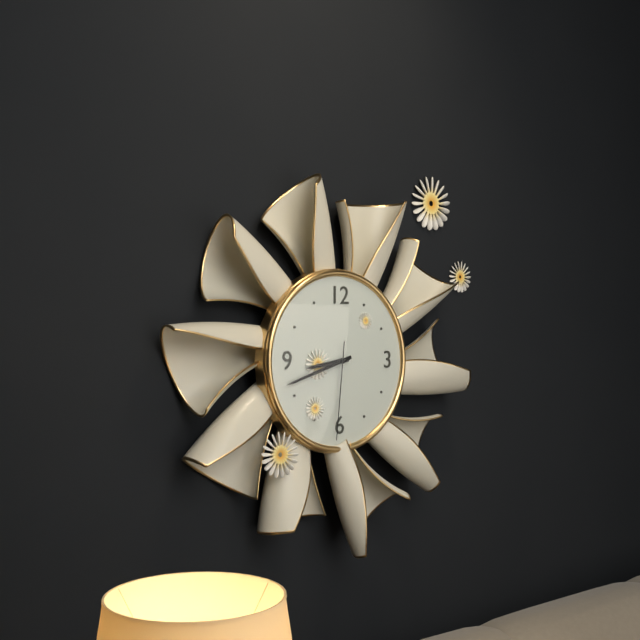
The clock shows 8h42m31s
